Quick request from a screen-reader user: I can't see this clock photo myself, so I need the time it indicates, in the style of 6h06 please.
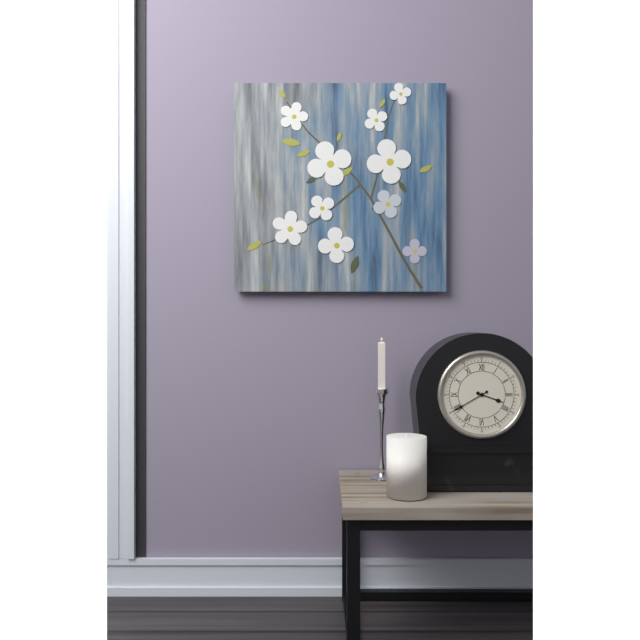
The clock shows 3h40
